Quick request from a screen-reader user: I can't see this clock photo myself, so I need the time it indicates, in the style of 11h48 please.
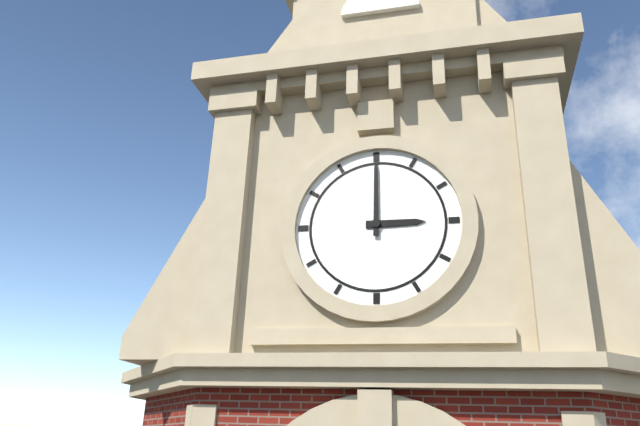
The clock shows 3h00
